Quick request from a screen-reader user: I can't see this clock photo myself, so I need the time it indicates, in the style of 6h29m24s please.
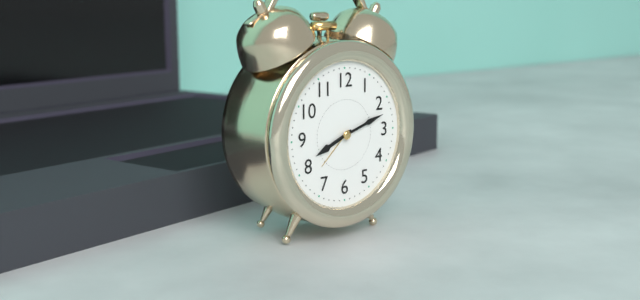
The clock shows 8h12m12s
